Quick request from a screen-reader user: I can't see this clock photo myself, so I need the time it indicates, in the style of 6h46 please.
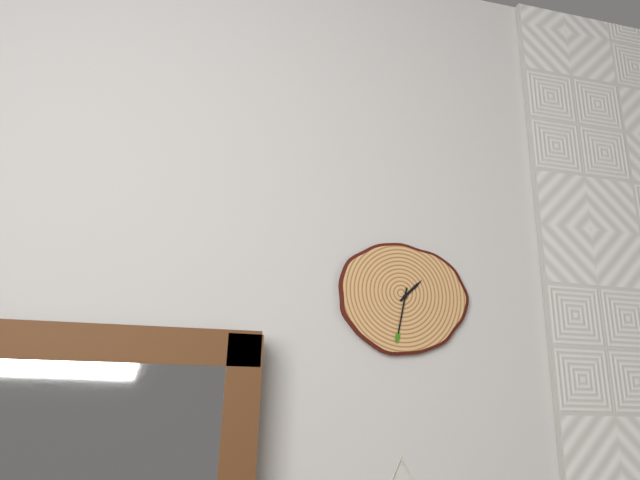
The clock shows 1h32
